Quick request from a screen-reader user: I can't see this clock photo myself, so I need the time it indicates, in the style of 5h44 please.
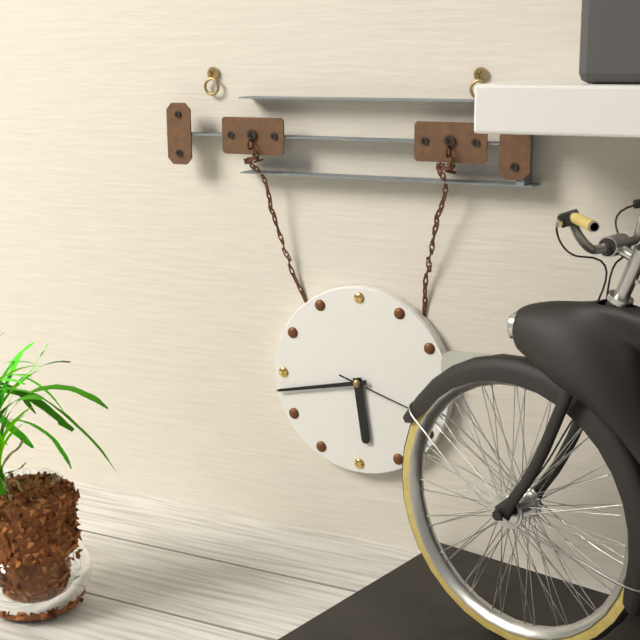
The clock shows 5h43
